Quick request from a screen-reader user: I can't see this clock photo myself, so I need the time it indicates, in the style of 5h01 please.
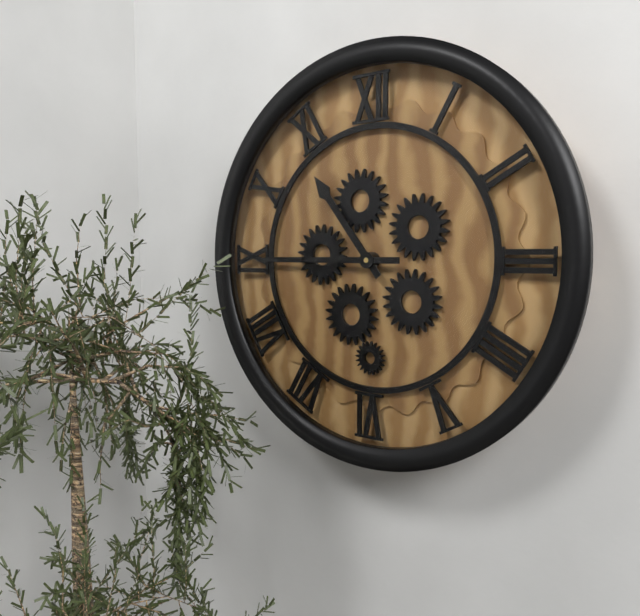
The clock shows 10h45
